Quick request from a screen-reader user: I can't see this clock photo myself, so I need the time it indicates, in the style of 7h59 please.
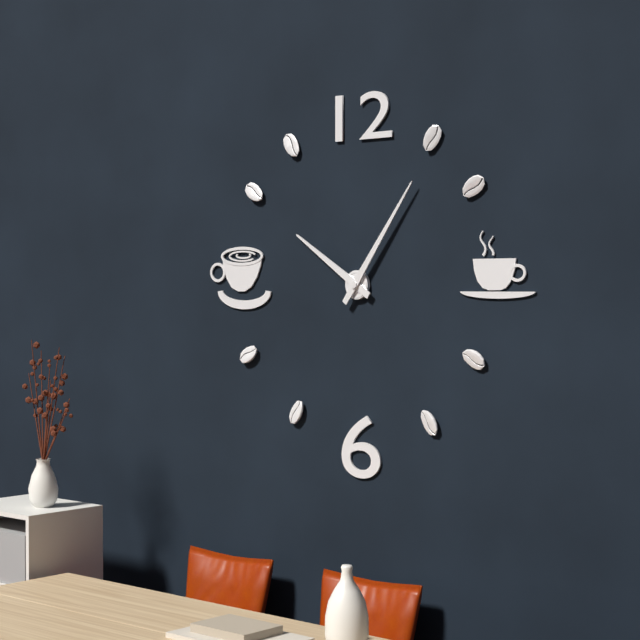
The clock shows 10h06
